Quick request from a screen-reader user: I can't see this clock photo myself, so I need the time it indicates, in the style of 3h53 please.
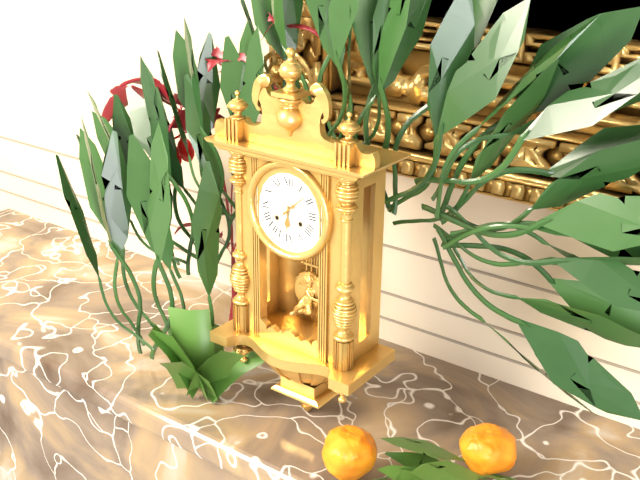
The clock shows 6h08
